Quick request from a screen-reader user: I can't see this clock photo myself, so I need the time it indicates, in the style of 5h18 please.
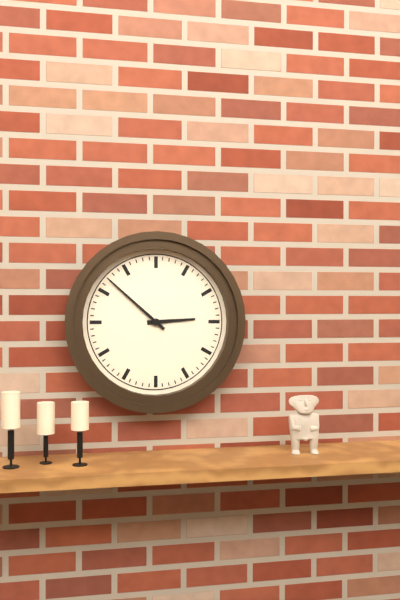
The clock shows 2h52
